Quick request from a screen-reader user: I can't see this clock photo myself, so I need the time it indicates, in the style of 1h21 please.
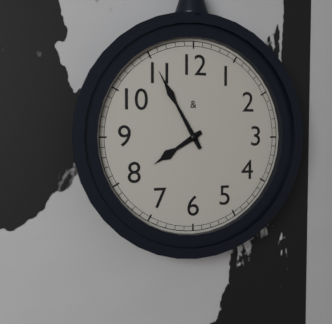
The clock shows 7h55
